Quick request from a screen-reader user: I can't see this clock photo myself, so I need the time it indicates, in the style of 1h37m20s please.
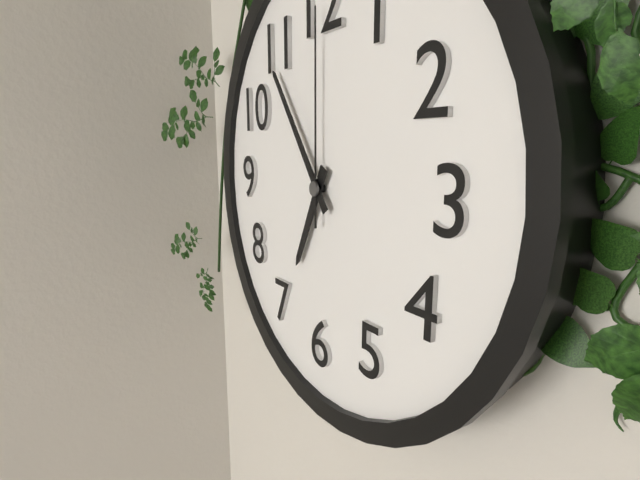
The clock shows 6h54m00s
